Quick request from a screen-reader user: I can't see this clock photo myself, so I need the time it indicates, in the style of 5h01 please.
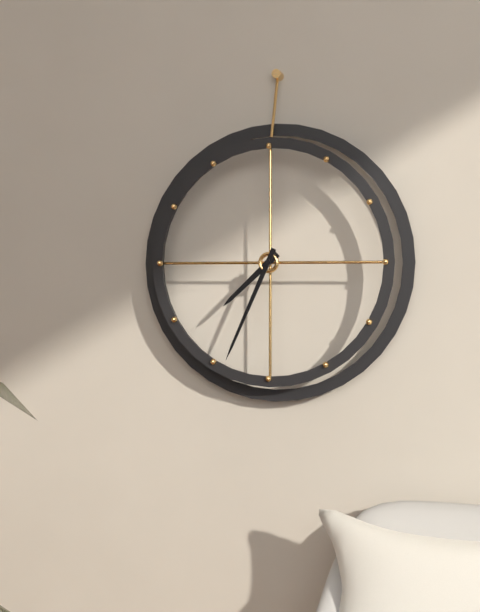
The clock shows 7h34
